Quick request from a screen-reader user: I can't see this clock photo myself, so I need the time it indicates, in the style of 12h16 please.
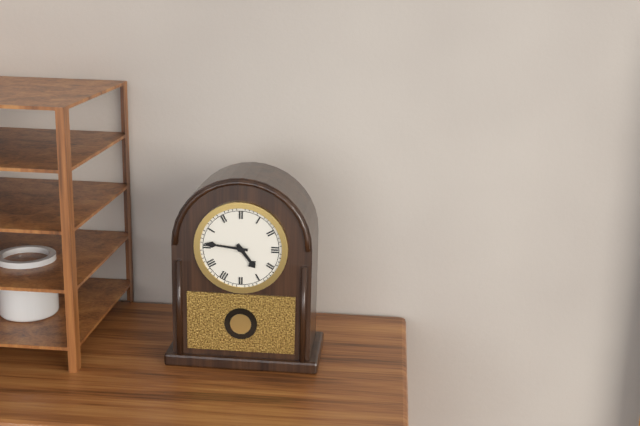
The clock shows 4h46
